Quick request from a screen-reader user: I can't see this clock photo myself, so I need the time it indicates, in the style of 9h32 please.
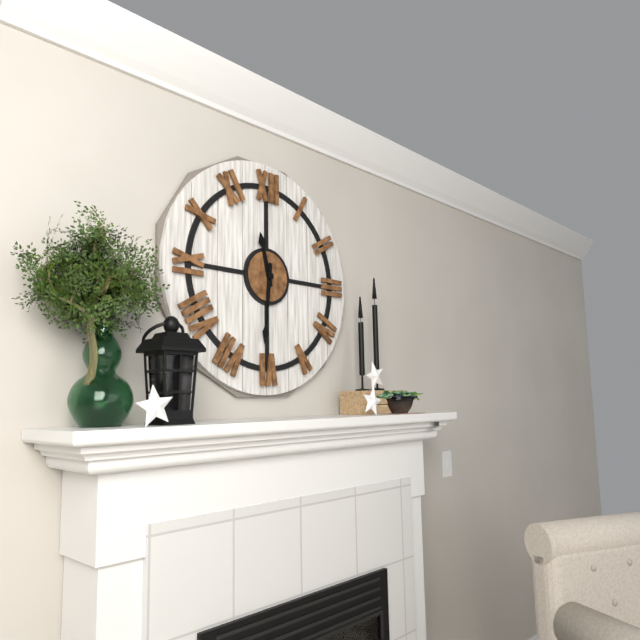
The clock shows 11h31
